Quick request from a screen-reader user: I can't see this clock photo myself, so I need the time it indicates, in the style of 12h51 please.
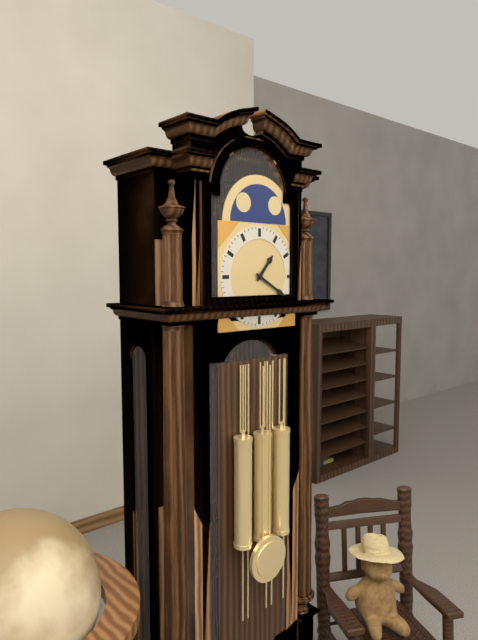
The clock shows 1h20
